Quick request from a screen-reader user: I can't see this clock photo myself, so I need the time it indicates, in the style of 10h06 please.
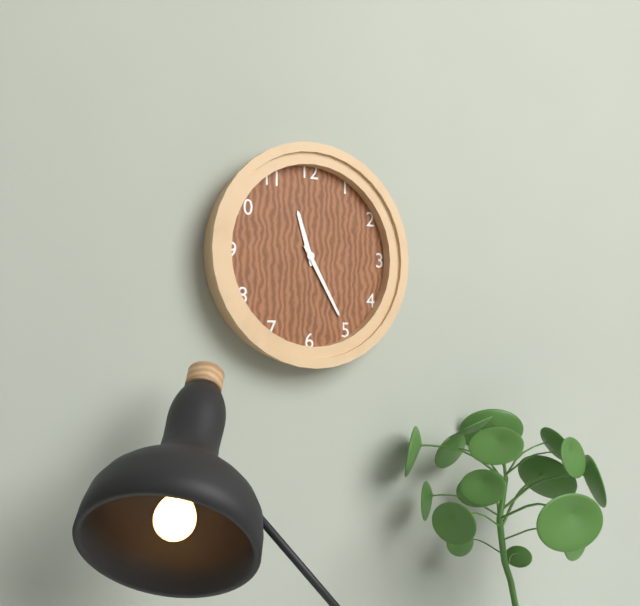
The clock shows 11h25
